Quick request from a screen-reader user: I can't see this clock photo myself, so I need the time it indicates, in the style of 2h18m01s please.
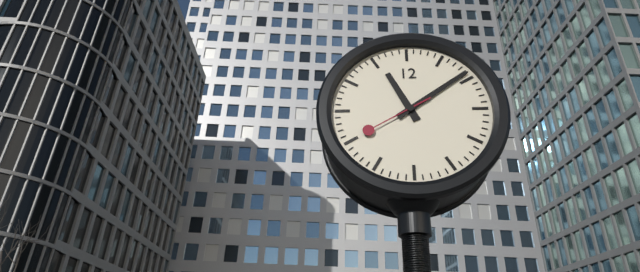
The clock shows 11h09m40s
